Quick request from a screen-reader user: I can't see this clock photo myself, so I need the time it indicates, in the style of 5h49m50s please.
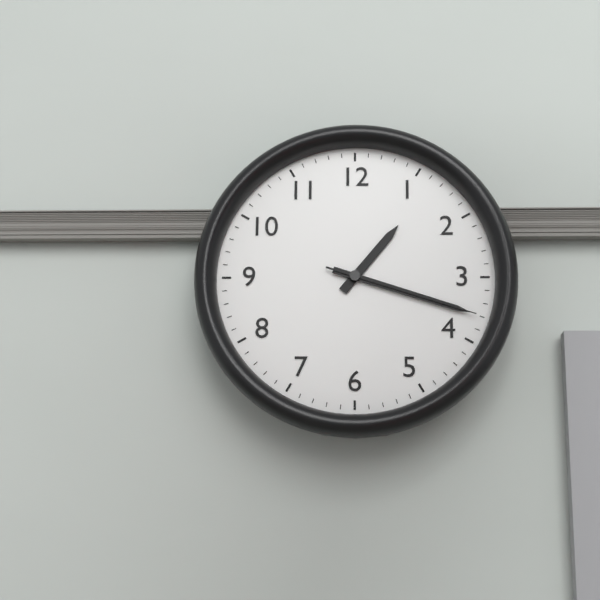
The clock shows 1h18m18s
